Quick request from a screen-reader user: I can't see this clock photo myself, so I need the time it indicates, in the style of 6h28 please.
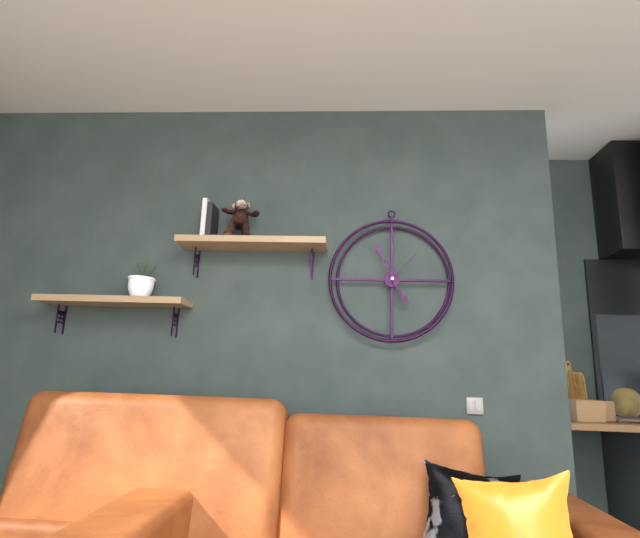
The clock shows 4h56
